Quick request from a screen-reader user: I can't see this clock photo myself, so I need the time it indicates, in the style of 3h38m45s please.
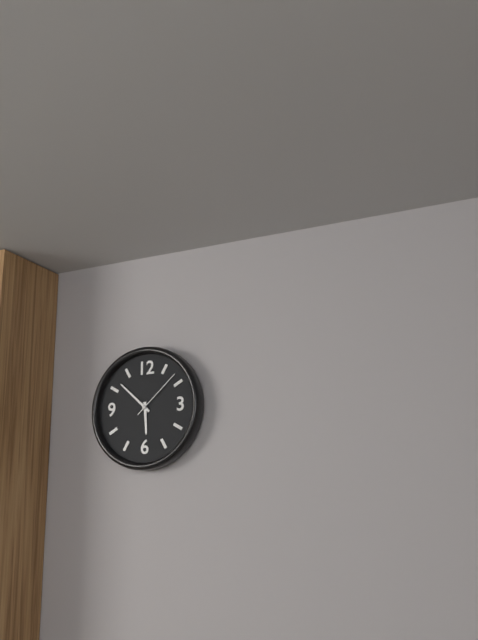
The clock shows 5h52m08s
